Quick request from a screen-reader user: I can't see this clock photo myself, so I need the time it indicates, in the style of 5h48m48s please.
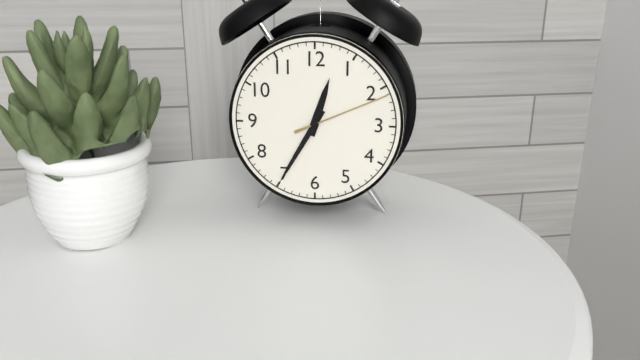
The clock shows 12h35m11s
